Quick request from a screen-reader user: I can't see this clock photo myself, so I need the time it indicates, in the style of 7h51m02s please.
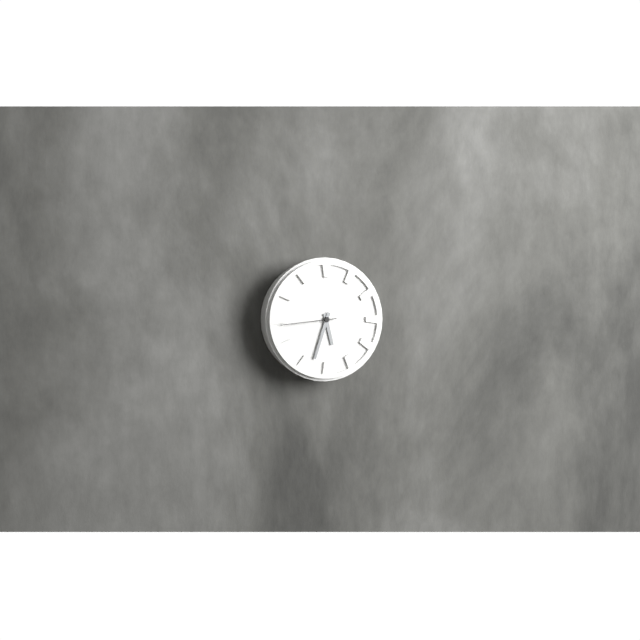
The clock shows 5h33m44s
